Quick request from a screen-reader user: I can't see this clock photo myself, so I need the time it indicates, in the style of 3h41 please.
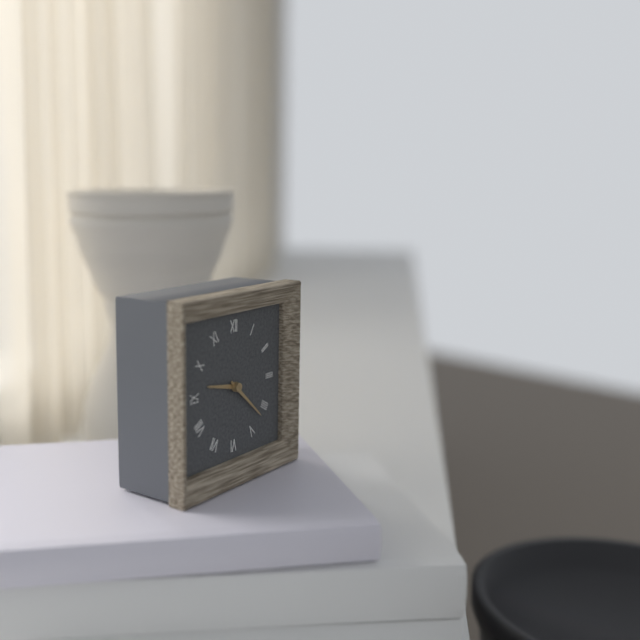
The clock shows 9h22
